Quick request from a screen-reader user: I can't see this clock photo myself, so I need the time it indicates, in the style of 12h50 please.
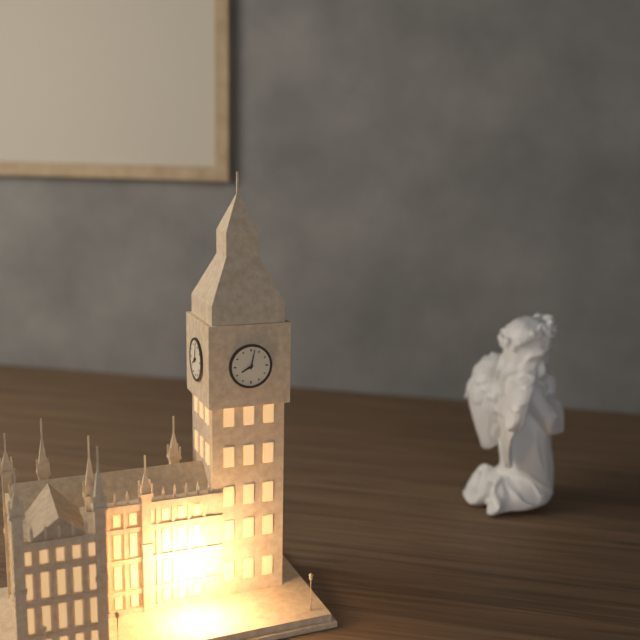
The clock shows 8h02
